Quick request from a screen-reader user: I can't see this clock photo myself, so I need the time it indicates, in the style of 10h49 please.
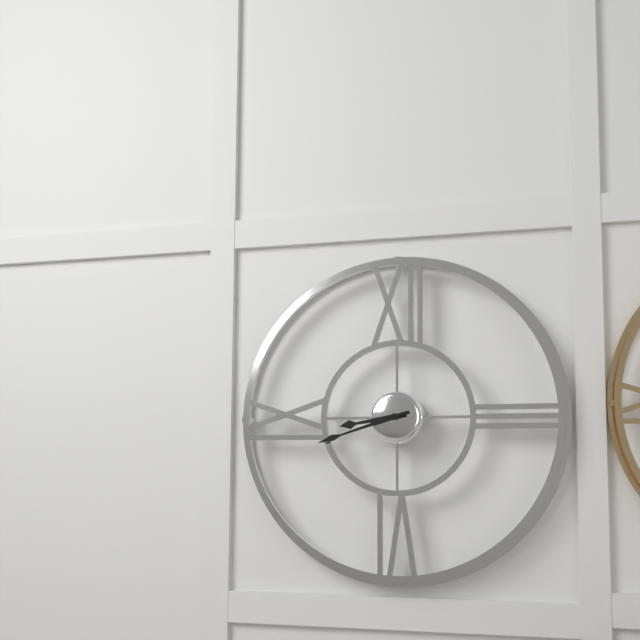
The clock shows 8h42
